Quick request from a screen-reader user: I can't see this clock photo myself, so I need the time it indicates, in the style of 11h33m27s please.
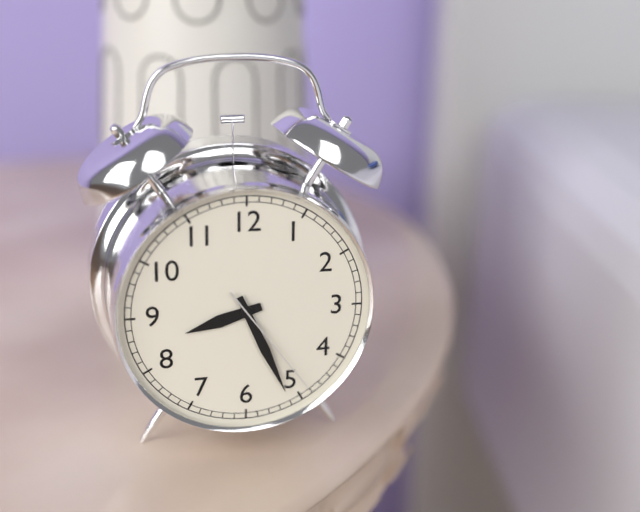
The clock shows 8h26m24s
